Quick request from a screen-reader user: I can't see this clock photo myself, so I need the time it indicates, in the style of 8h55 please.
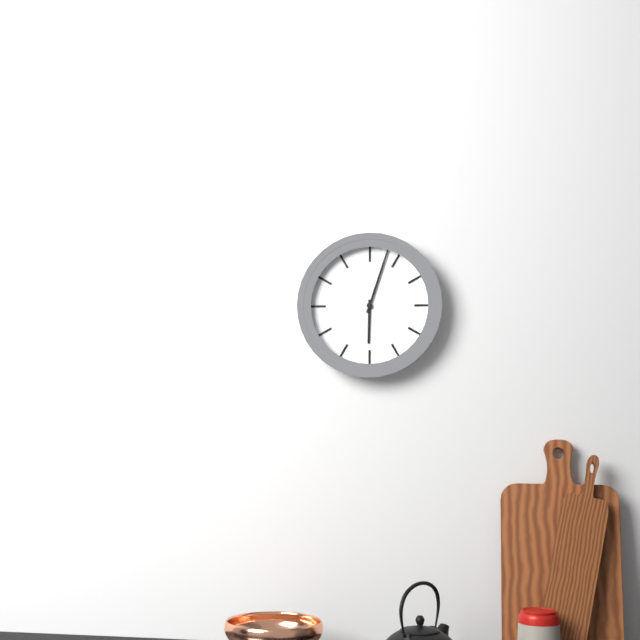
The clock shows 6h03
